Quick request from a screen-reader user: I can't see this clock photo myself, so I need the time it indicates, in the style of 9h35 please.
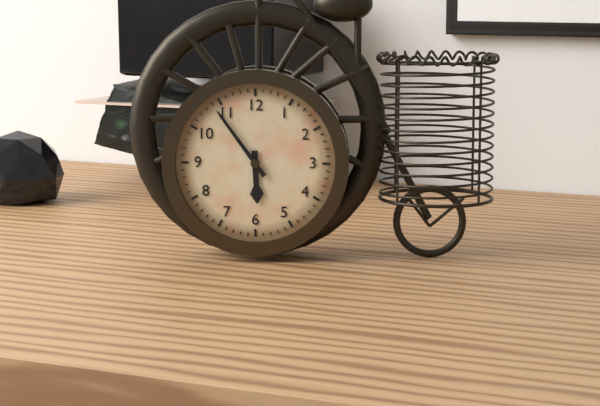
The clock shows 5h54
